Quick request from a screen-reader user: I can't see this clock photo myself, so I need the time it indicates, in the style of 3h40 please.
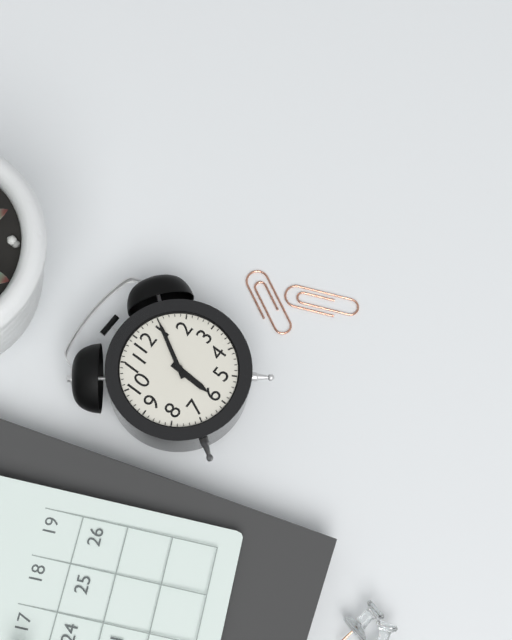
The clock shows 6h05
